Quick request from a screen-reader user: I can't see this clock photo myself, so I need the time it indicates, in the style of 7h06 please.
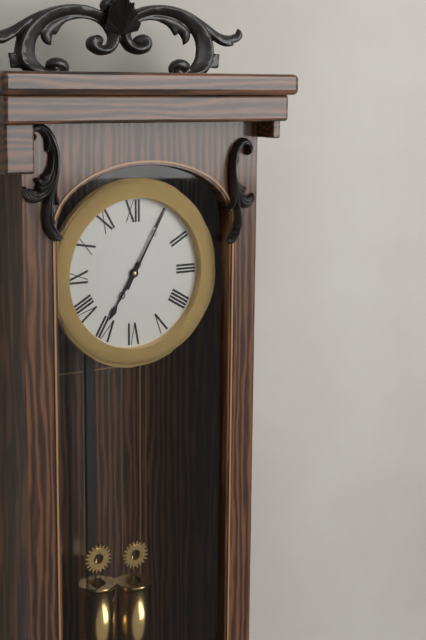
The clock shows 7h05
